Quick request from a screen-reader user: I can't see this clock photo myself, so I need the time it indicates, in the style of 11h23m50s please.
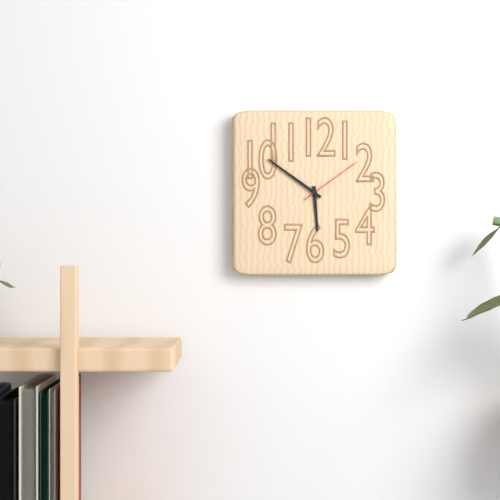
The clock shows 5h51m09s
